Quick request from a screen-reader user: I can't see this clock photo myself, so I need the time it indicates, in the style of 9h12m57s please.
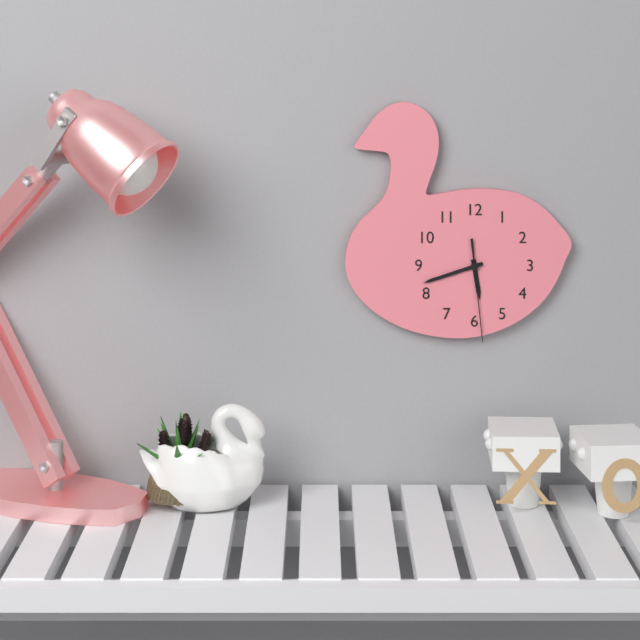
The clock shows 5h42m29s
